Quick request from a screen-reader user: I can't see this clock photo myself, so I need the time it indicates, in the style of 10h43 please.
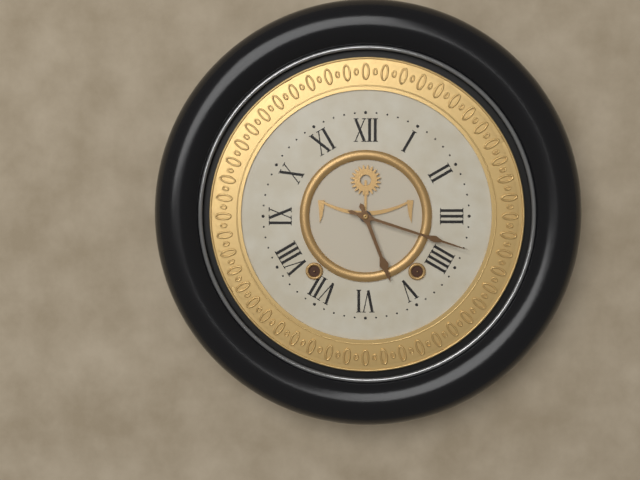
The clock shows 5h18
